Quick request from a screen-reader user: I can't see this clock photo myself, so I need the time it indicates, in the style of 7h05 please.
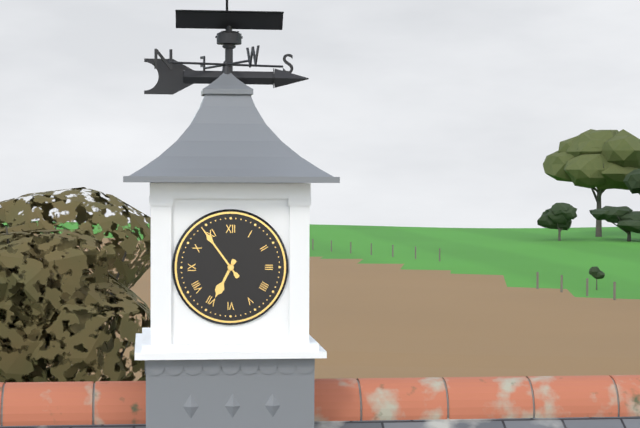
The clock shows 6h54
